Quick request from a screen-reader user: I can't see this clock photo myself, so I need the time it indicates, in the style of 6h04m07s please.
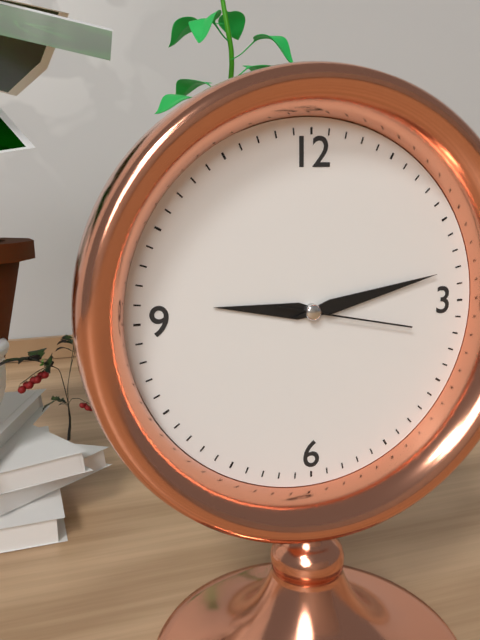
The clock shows 9h13m17s
